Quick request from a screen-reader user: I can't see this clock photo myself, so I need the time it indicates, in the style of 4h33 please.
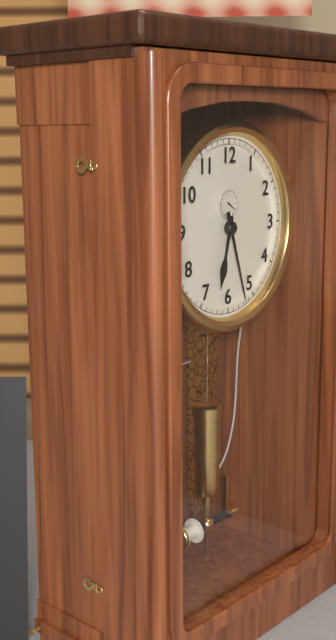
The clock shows 6h27
